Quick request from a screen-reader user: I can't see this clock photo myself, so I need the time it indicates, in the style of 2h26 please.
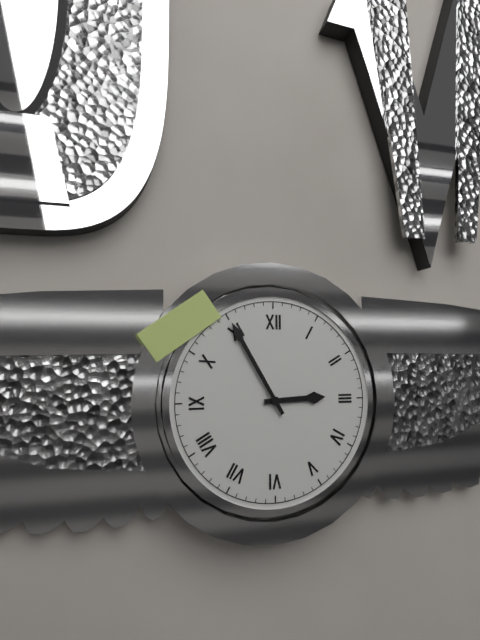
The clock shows 2h55
